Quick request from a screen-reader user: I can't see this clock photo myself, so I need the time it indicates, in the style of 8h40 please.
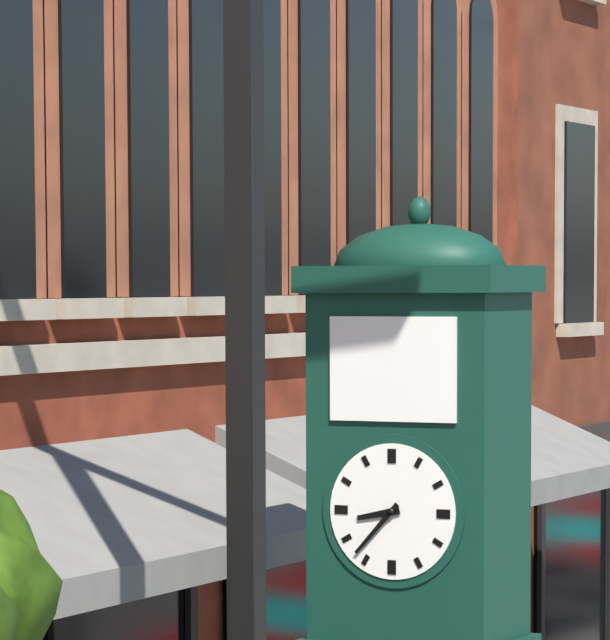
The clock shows 8h37
